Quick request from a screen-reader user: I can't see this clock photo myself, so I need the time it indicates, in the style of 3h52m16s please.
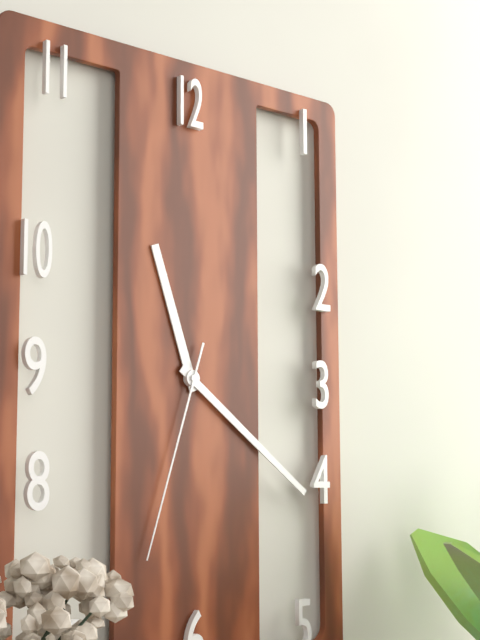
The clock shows 11h21m33s
